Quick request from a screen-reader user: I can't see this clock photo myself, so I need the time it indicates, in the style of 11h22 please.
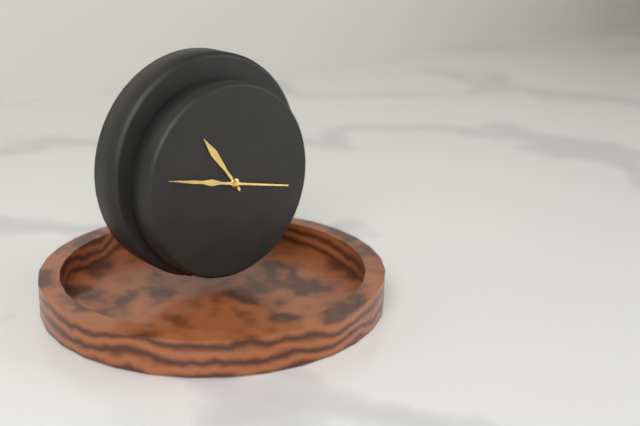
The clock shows 10h47
